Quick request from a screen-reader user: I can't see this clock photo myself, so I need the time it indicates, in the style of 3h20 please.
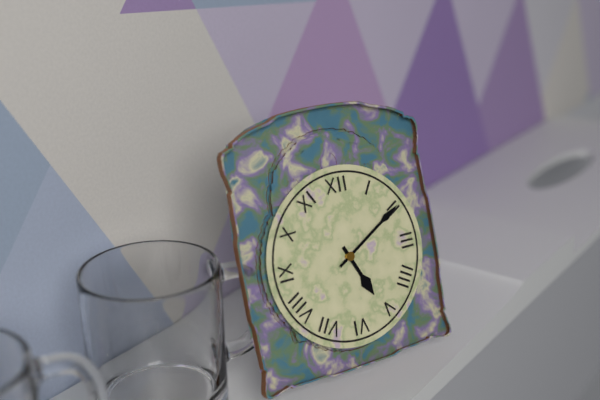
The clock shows 5h10
